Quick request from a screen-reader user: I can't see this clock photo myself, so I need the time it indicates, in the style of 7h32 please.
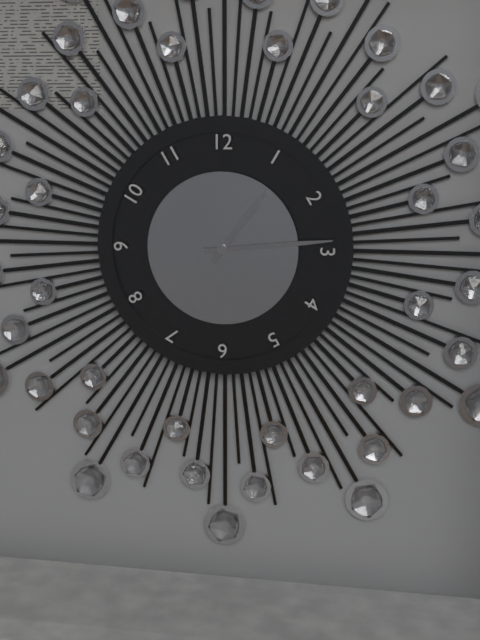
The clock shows 1h14
